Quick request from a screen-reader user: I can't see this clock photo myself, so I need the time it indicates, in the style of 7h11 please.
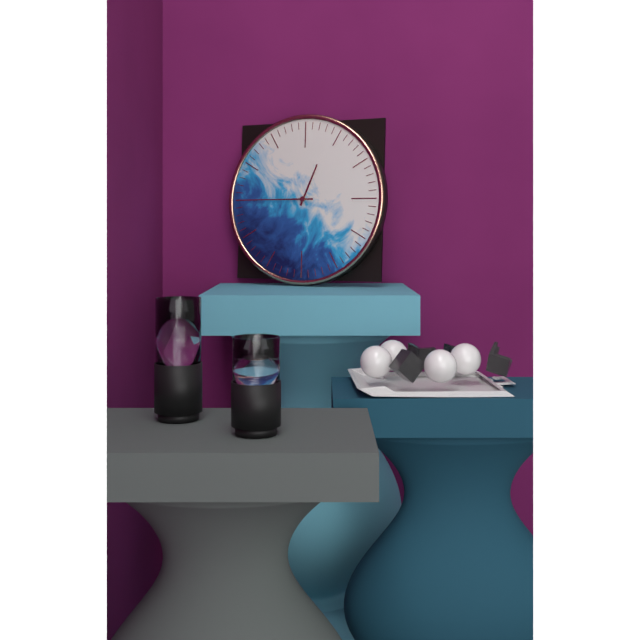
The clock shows 12h45
